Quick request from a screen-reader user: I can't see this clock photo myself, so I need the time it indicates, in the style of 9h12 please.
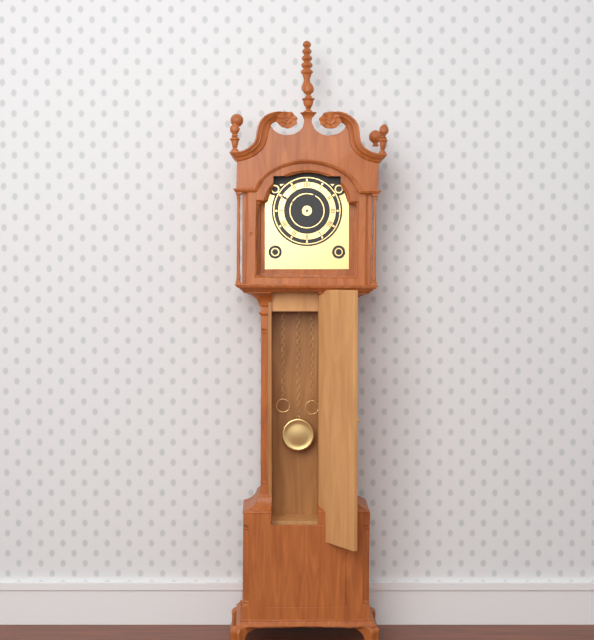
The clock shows 12h50
